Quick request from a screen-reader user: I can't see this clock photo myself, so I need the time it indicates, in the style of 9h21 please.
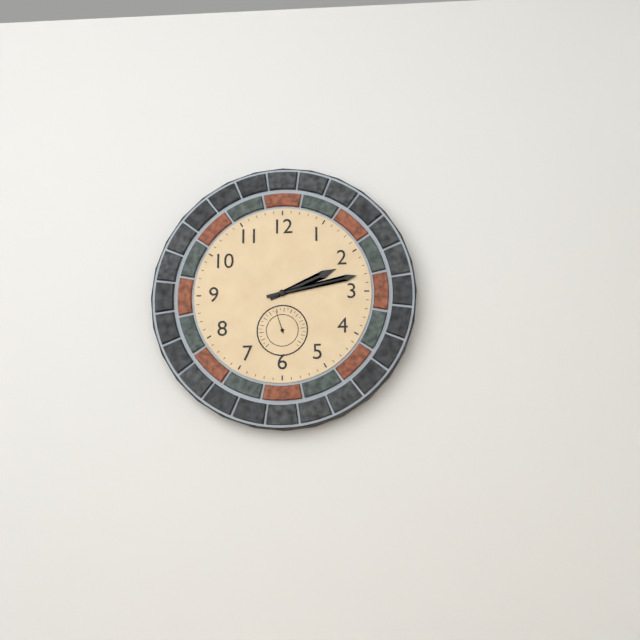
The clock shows 2h13
